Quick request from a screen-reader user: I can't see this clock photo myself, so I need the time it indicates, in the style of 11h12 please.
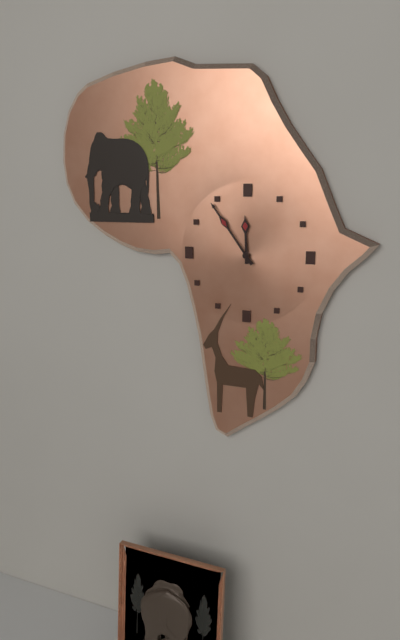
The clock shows 11h54
